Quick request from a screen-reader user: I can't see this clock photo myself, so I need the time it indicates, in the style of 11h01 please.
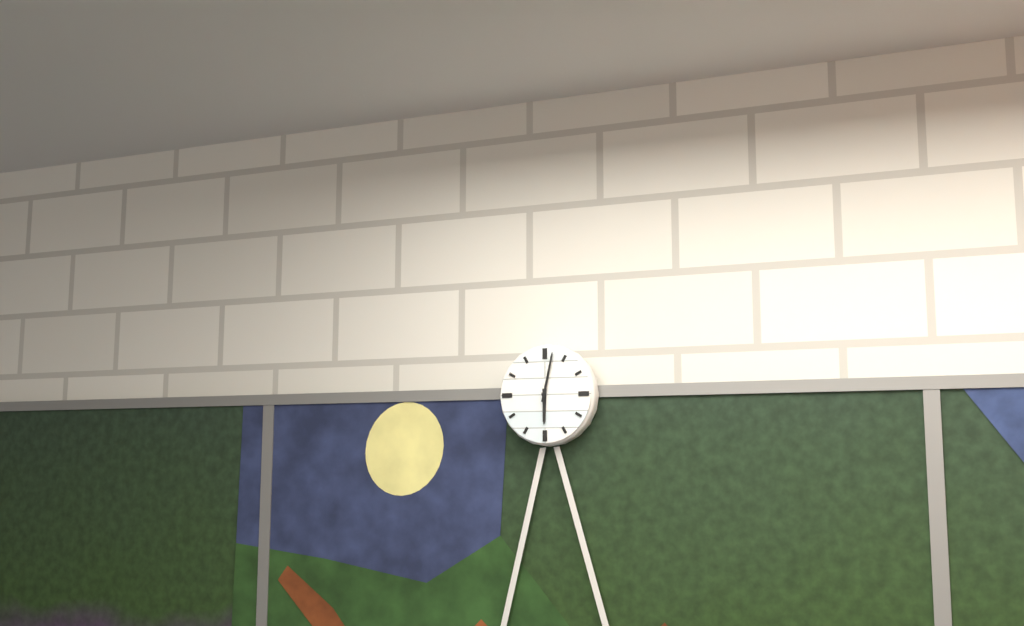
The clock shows 6h02
